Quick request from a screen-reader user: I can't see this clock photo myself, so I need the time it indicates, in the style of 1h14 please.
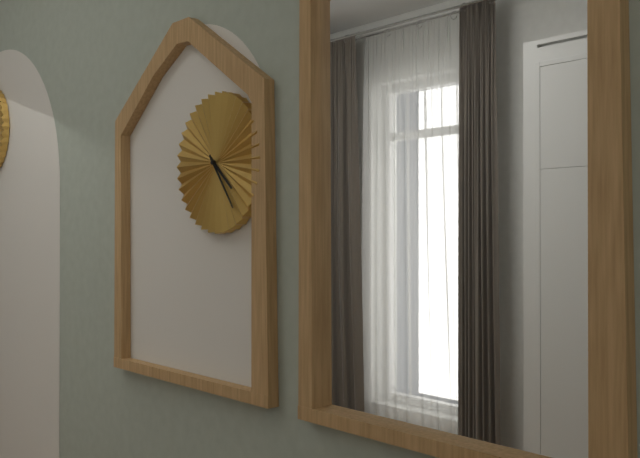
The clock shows 4h24
